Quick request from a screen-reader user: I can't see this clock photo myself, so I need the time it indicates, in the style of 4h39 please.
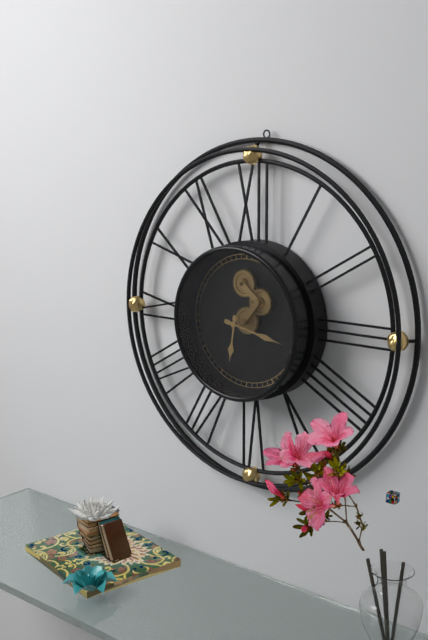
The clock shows 6h17
